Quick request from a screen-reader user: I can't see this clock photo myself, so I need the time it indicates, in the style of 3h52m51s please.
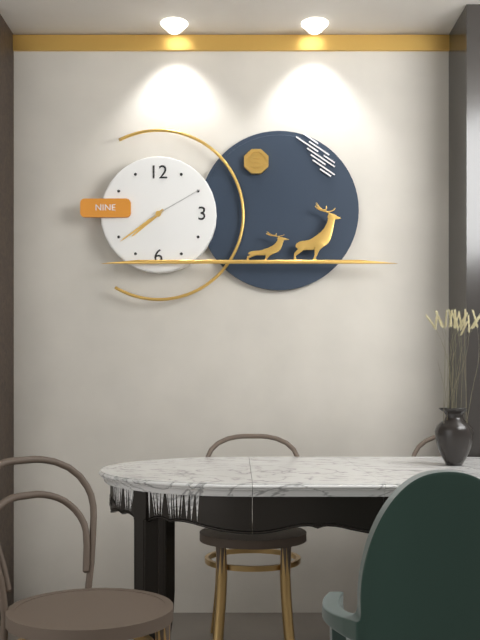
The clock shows 7h39m10s
